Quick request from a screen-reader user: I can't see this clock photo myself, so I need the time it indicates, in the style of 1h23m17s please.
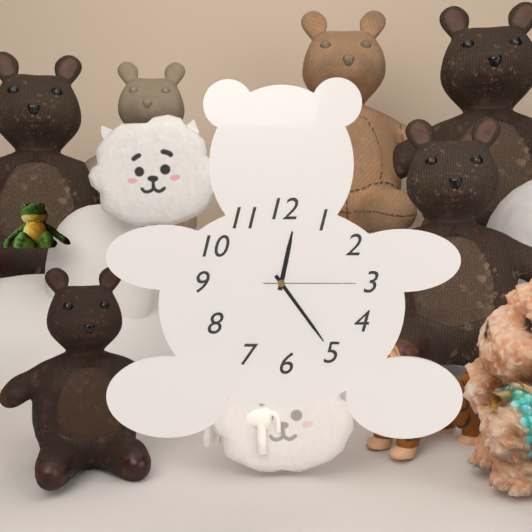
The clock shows 12h24m15s
